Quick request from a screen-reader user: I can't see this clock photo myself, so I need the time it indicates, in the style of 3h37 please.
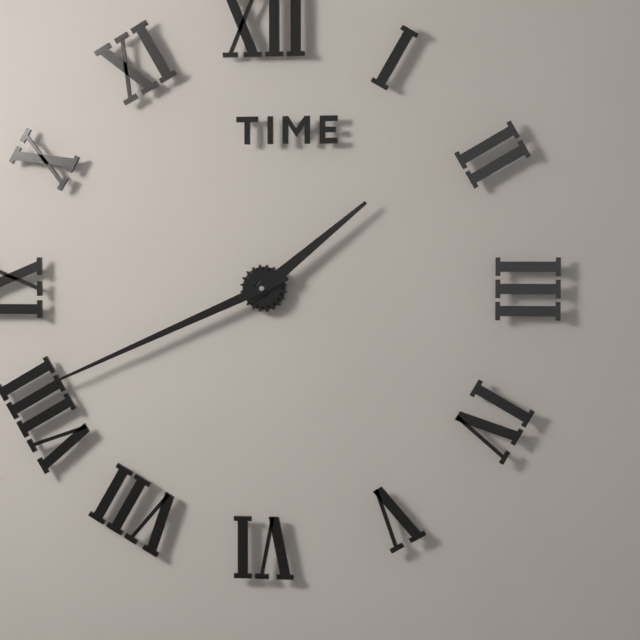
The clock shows 1h41
